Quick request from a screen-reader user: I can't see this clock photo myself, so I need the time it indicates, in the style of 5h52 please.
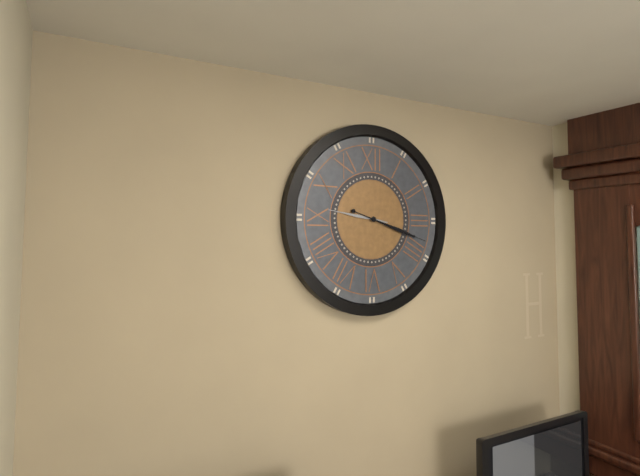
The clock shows 9h18
